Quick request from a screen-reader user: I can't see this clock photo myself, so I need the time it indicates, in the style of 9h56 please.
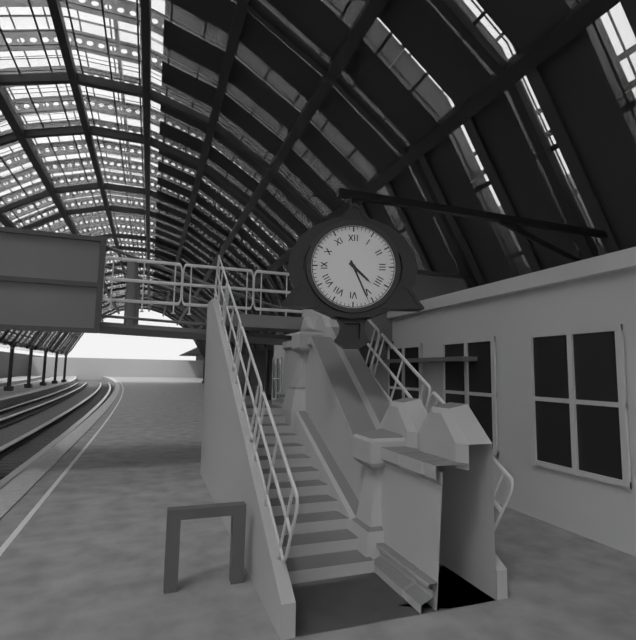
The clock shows 4h26
